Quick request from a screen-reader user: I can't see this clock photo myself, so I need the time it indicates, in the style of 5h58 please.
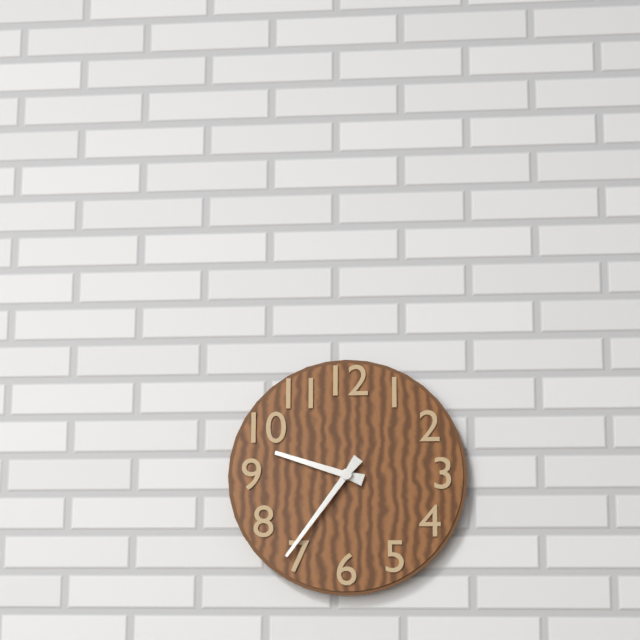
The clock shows 9h36
